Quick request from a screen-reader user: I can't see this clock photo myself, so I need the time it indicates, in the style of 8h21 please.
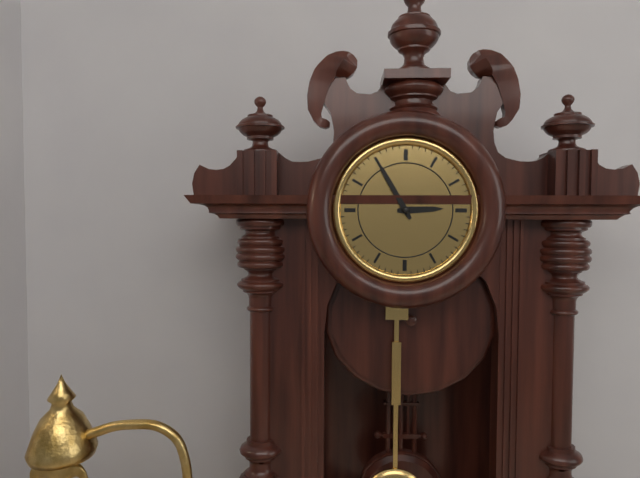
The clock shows 2h55
